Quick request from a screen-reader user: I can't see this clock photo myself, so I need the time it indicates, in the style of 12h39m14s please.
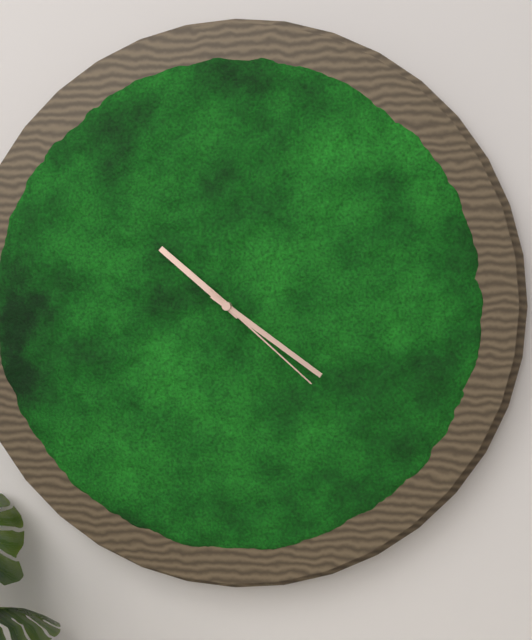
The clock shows 10h21m22s
